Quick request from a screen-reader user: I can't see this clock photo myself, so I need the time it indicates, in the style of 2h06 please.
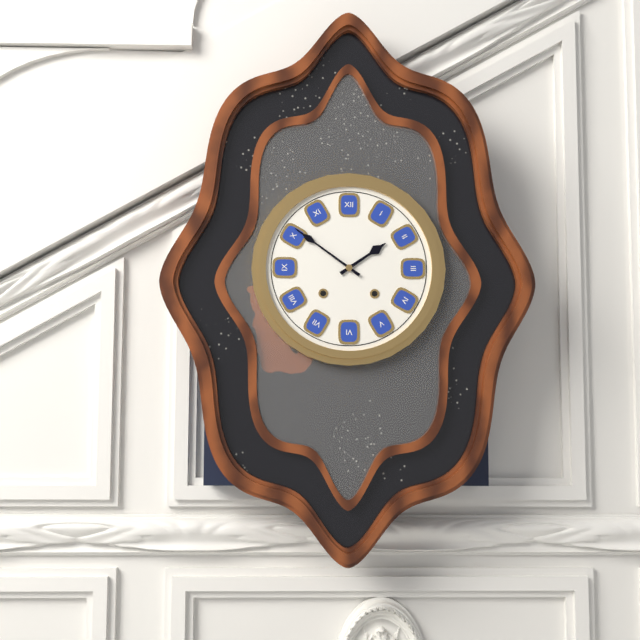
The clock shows 1h51
